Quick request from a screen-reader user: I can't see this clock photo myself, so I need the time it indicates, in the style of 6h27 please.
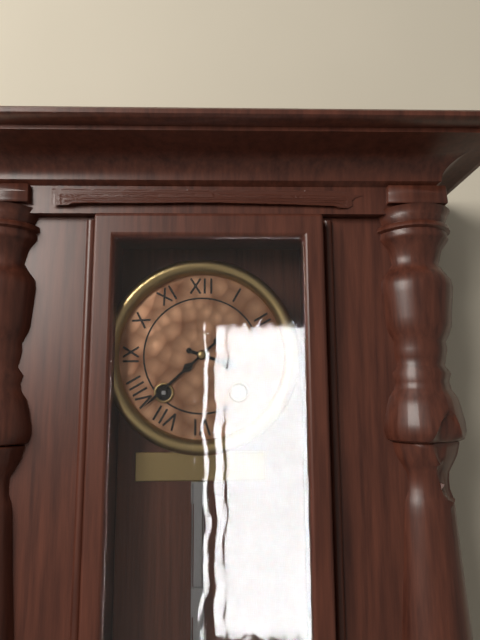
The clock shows 3h38
